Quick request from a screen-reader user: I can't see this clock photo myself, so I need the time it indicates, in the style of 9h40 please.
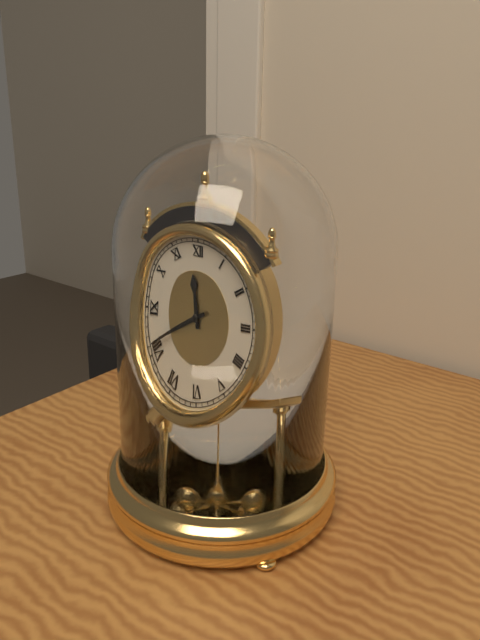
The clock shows 11h41
